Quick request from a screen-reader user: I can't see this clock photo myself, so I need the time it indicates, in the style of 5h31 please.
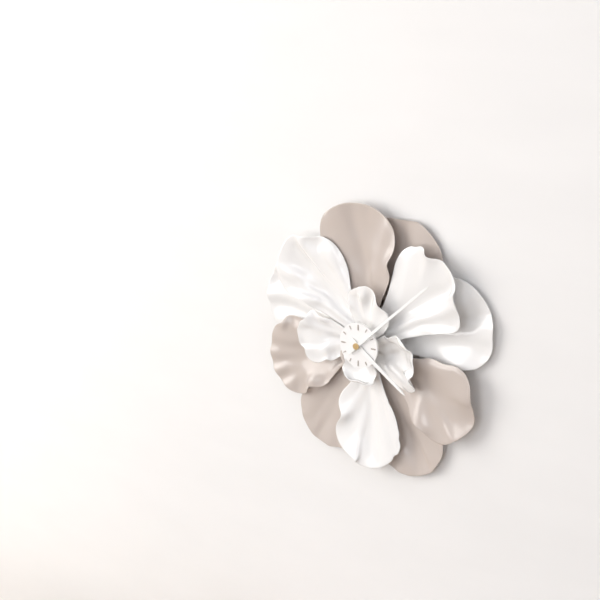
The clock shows 4h08
